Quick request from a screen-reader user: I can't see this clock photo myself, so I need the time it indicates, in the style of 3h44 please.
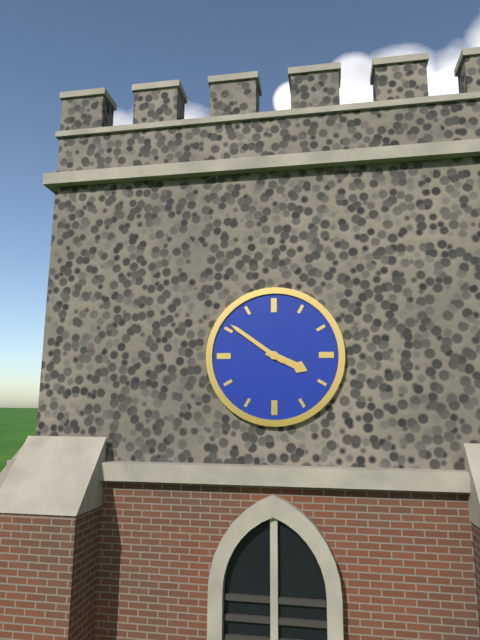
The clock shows 3h51
